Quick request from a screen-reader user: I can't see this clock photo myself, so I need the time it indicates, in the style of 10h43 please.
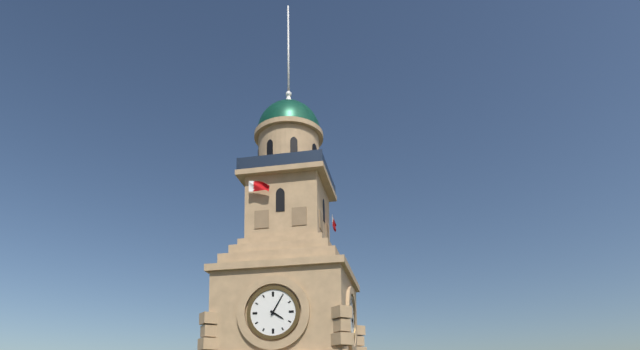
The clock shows 4h05
